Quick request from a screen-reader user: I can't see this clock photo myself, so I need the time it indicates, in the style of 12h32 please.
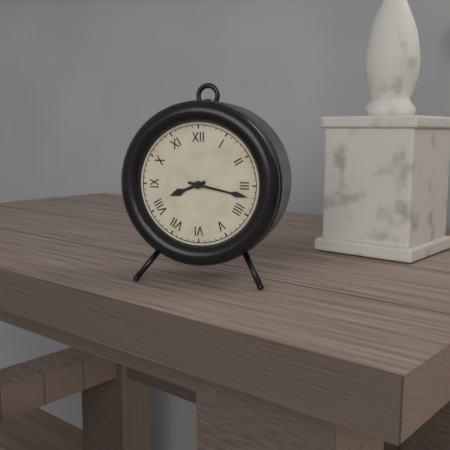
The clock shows 8h17
